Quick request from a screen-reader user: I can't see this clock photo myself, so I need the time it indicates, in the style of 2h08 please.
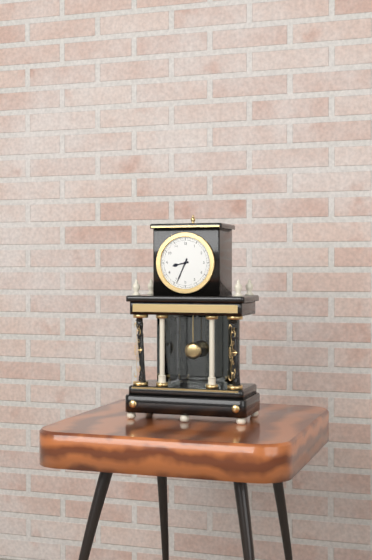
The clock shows 8h34
